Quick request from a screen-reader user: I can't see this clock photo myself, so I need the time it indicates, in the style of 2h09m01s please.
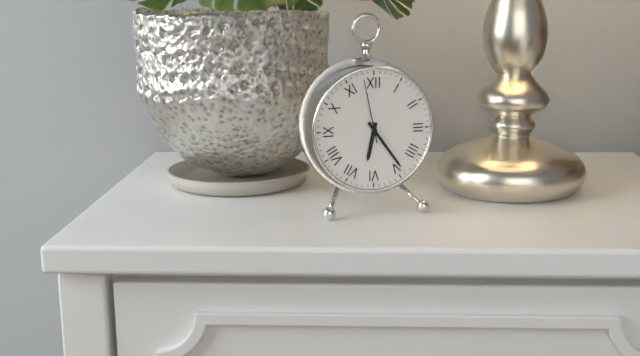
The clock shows 6h24m58s
